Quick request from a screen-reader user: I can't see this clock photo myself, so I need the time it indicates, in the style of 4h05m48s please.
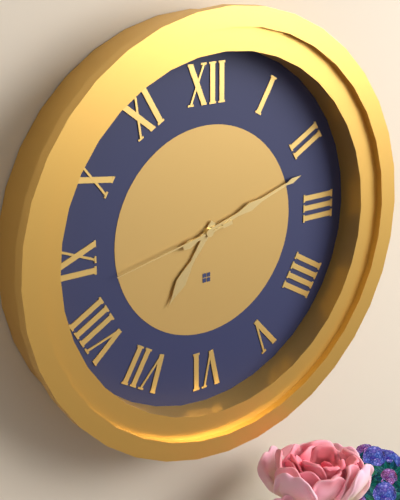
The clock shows 7h12m43s
